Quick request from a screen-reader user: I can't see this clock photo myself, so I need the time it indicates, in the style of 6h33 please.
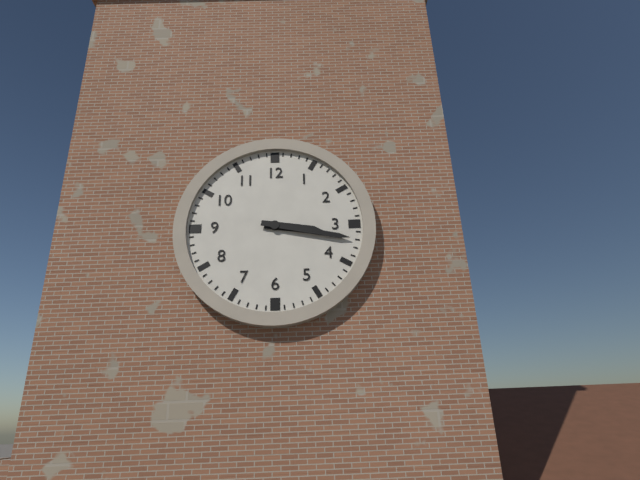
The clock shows 3h17
